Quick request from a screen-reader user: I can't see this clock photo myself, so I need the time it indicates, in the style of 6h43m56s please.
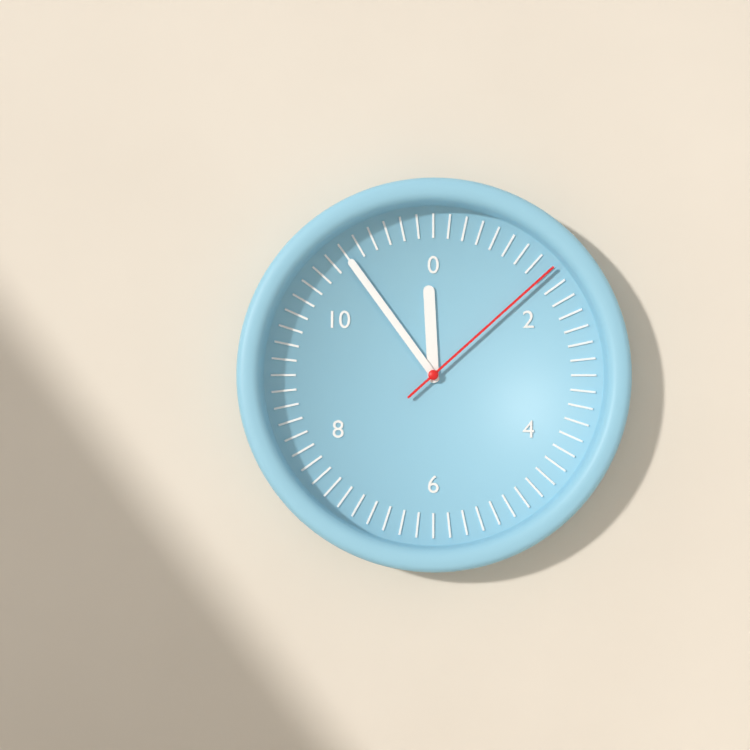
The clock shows 11h54m08s
